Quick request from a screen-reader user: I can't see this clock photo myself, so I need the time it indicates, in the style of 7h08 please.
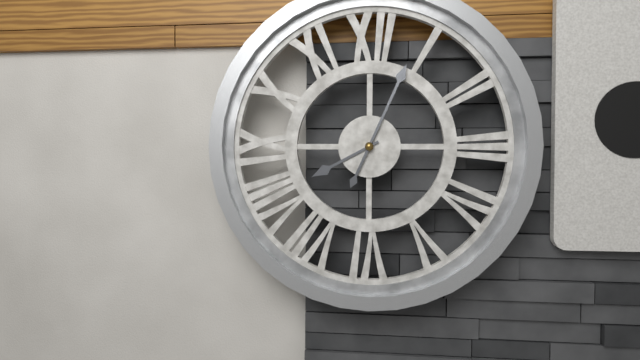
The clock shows 8h04
